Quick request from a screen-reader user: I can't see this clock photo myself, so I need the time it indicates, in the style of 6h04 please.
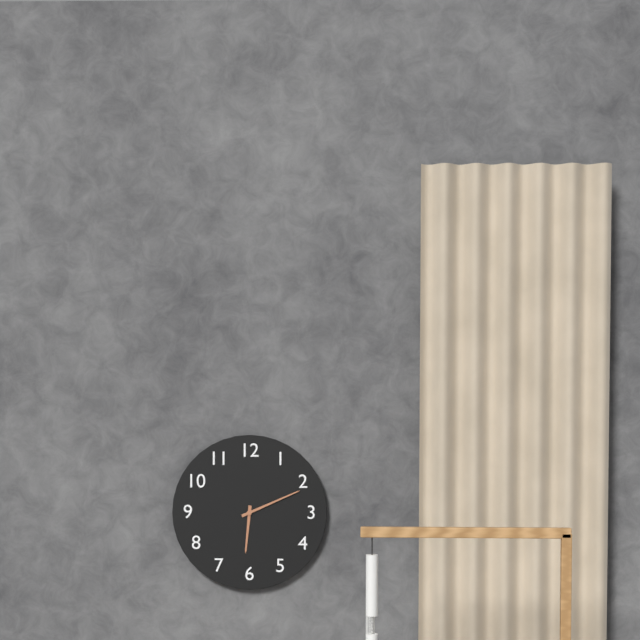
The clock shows 6h11
